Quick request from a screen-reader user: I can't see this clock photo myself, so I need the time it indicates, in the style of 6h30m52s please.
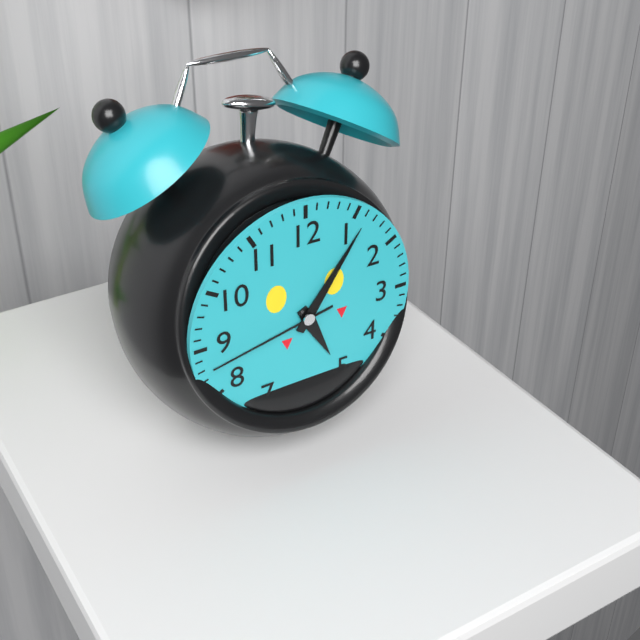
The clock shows 5h06m43s
